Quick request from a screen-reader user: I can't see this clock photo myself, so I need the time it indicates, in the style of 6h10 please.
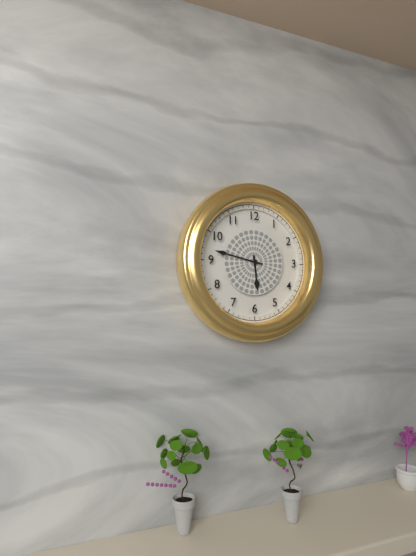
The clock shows 5h47
